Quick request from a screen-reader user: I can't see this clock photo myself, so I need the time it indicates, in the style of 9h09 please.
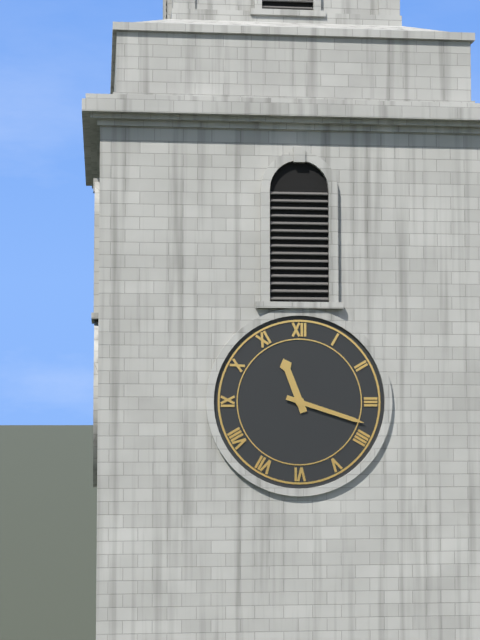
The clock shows 11h18
